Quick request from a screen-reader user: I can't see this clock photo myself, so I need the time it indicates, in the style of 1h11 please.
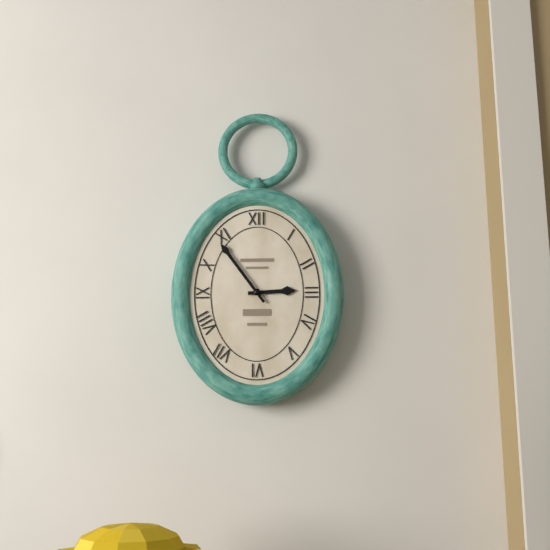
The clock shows 2h54
